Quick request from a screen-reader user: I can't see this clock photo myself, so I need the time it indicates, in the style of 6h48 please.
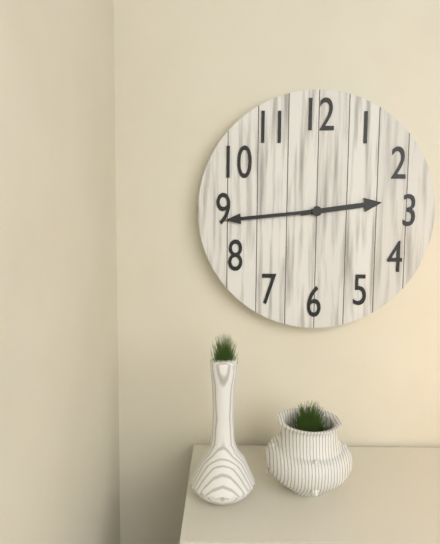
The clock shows 2h44
